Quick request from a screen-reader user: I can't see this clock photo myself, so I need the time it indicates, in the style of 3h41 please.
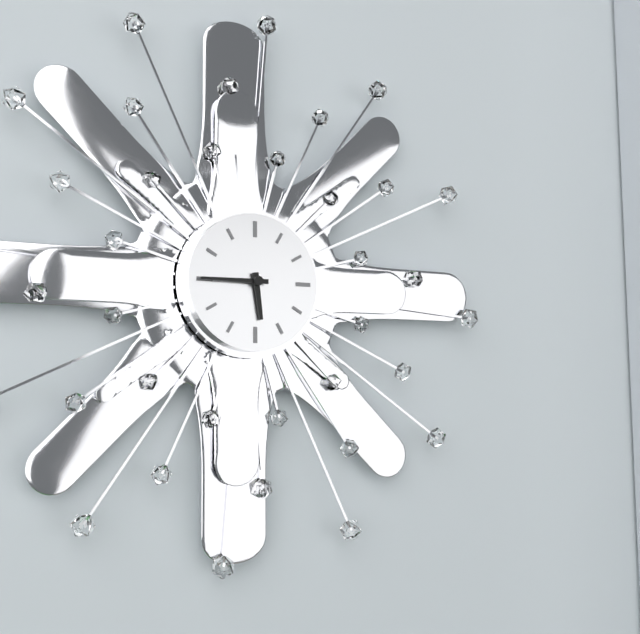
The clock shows 5h45
